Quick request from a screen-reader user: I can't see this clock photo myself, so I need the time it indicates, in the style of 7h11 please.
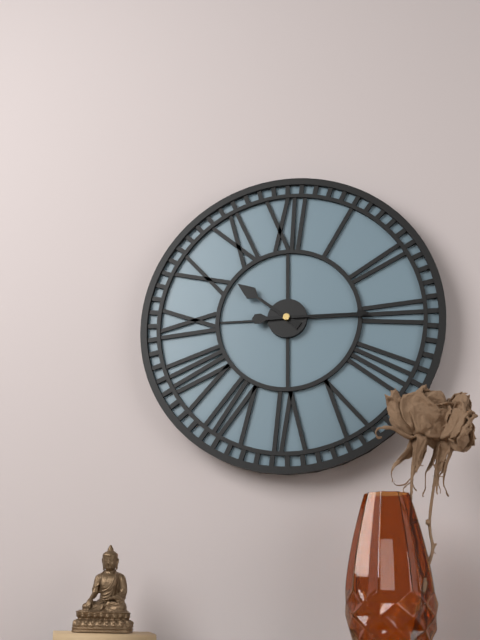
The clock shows 10h15
